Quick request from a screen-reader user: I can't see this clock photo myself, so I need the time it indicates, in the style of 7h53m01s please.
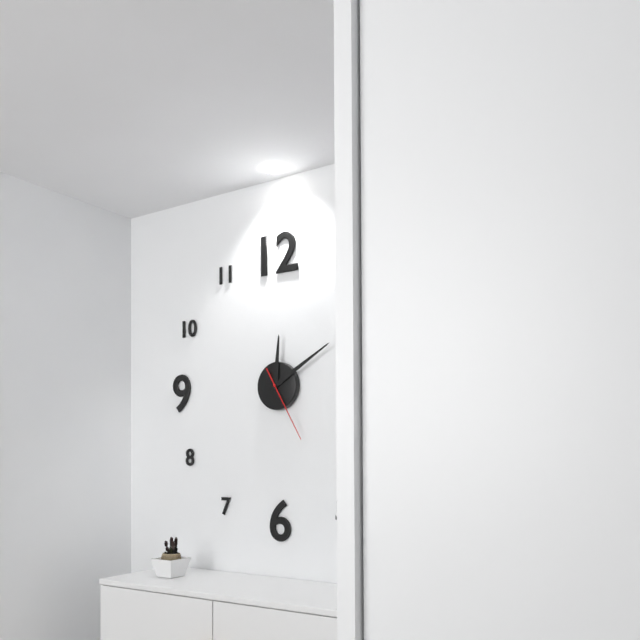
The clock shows 12h10m25s
